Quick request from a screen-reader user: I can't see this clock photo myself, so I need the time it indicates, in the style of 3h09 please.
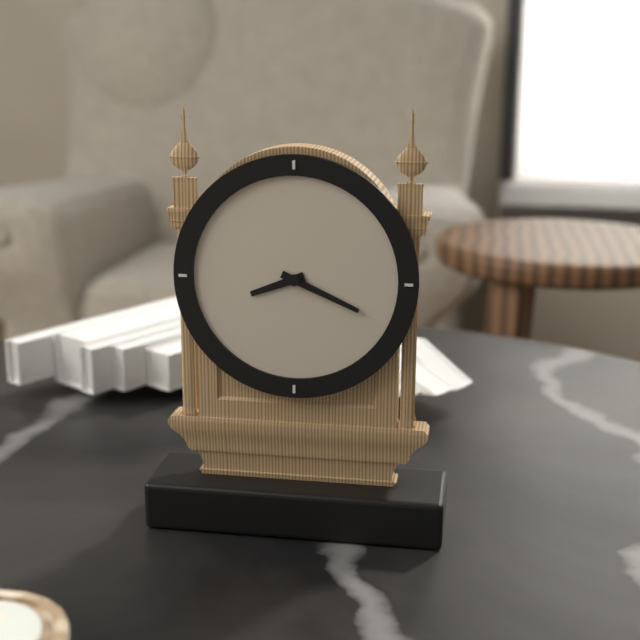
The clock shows 8h19
